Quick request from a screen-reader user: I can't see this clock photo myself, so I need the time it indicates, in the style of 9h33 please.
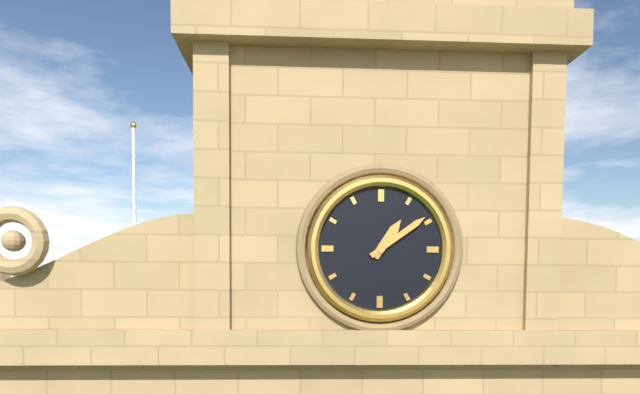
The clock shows 1h09
